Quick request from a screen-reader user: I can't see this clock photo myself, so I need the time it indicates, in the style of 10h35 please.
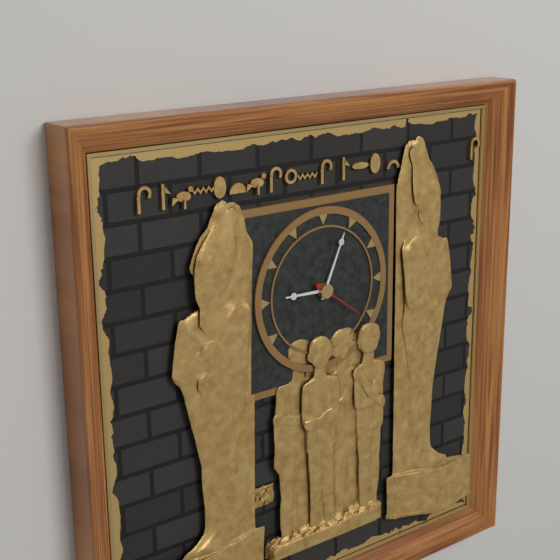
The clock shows 9h04
